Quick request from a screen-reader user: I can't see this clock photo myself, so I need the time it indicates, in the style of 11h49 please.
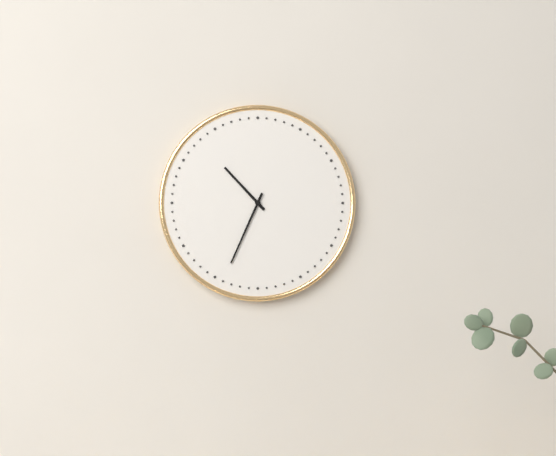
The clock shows 10h34
